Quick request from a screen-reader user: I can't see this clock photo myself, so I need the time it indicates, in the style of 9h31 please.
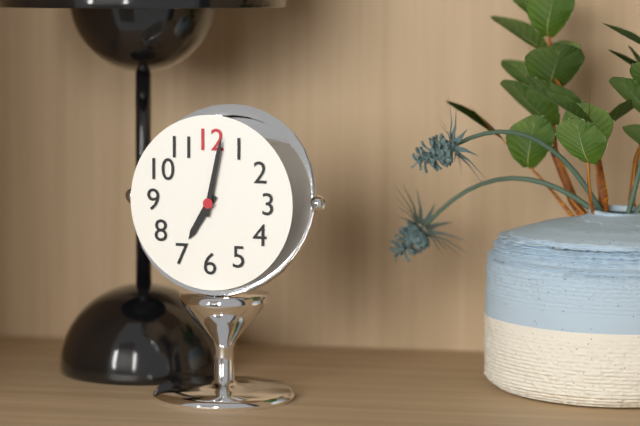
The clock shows 7h02
